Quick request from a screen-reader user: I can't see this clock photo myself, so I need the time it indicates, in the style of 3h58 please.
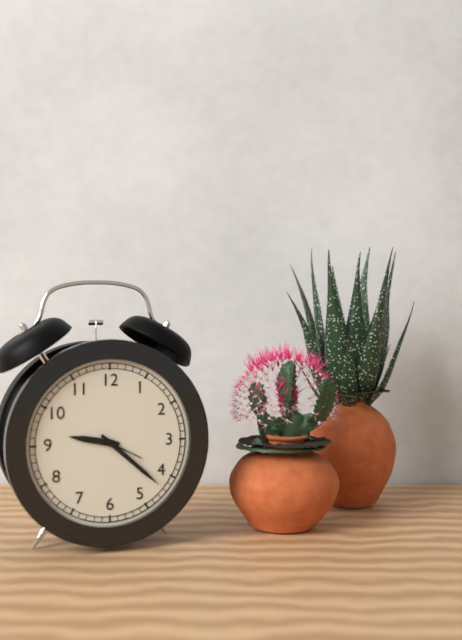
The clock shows 9h22
